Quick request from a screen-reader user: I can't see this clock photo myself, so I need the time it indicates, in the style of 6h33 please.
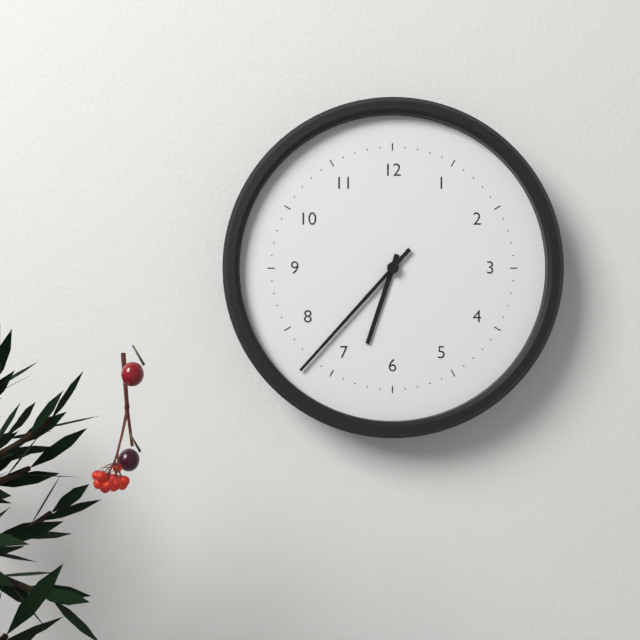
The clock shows 6h37
